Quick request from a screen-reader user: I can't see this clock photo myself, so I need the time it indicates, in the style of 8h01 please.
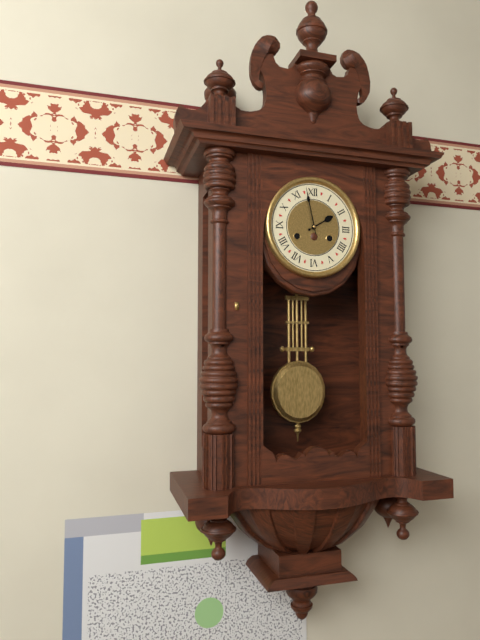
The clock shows 1h58
